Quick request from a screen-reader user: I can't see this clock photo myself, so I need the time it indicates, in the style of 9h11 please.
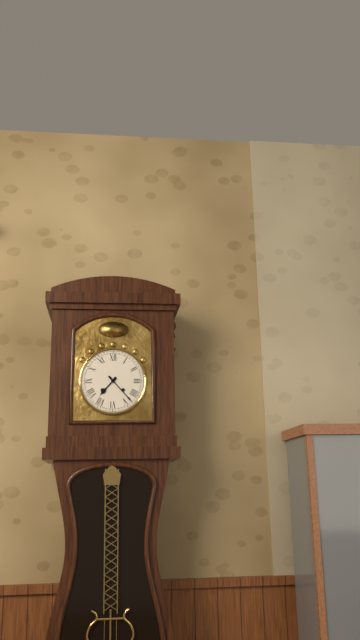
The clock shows 7h23
